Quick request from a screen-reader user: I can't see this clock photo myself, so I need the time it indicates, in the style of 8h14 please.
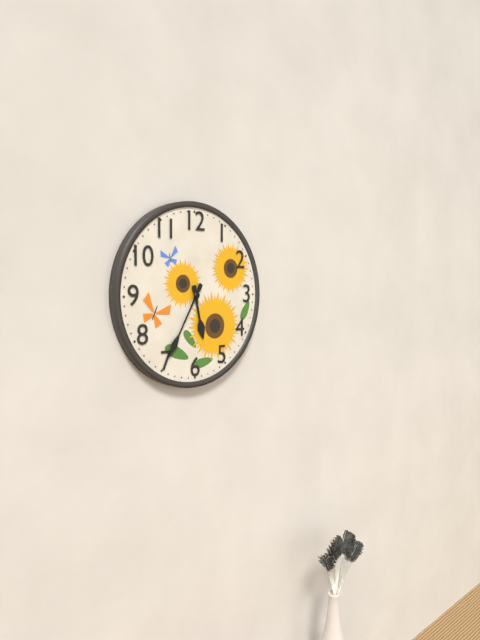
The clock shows 5h35
